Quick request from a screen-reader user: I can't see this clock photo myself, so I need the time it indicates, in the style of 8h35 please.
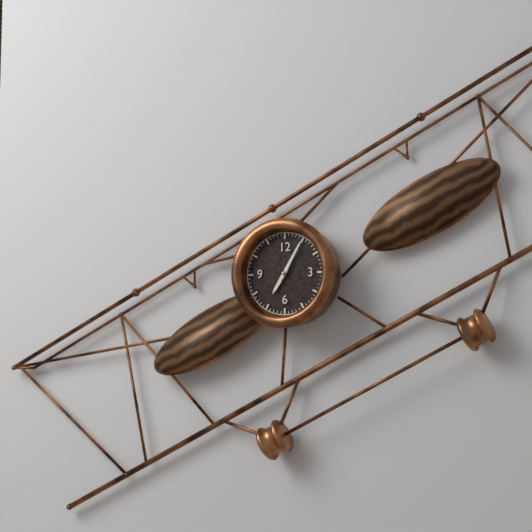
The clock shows 7h05
